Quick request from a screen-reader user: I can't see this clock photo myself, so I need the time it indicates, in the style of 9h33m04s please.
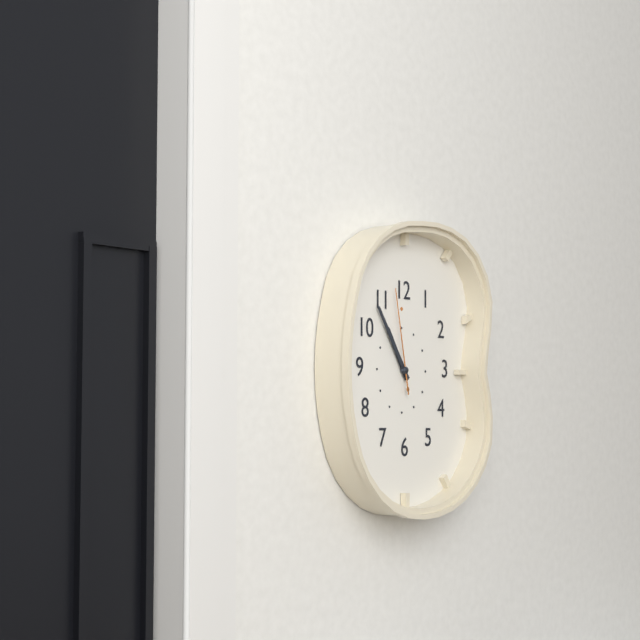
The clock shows 10h54m58s
